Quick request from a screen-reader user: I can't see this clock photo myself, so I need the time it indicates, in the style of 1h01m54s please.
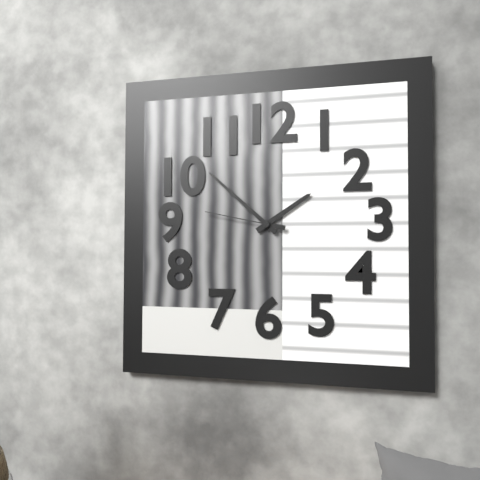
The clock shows 1h52m47s
